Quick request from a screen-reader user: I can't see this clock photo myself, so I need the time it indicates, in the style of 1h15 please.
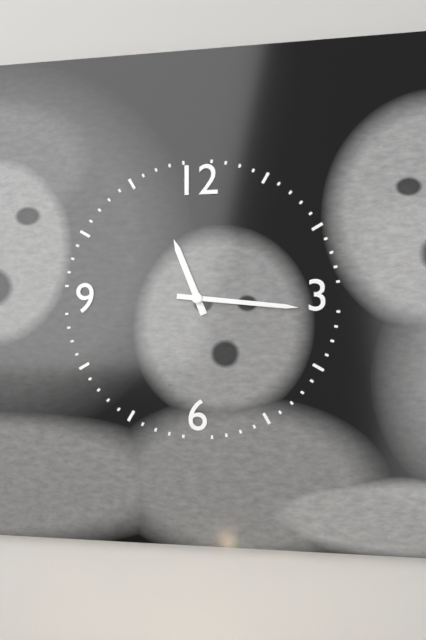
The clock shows 11h16
